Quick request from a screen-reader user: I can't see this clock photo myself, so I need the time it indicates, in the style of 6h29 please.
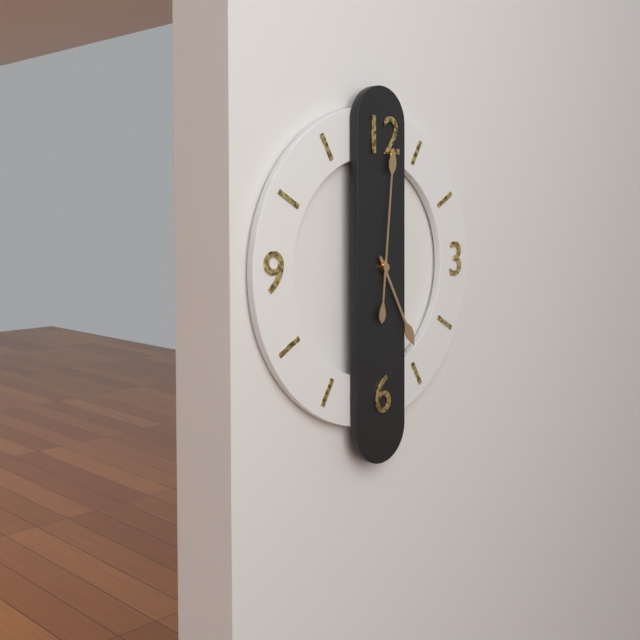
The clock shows 5h01
